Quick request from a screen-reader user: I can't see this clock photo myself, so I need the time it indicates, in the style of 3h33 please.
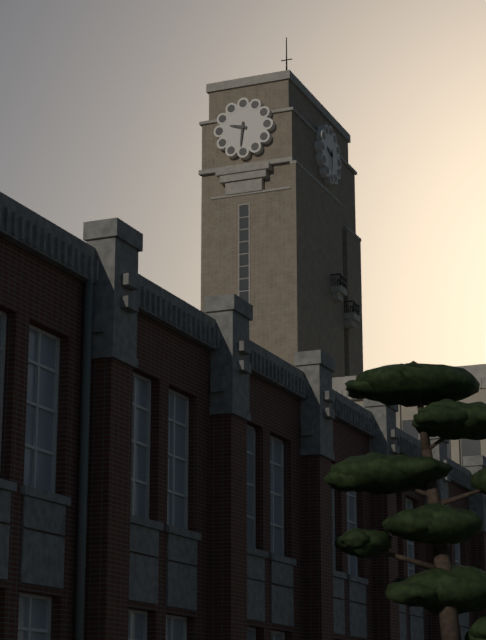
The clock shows 9h31
